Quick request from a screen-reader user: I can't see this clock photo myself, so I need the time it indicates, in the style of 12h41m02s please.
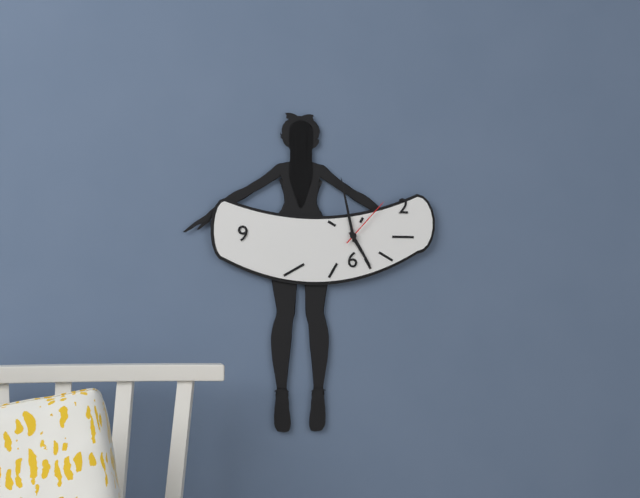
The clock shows 4h58m07s
